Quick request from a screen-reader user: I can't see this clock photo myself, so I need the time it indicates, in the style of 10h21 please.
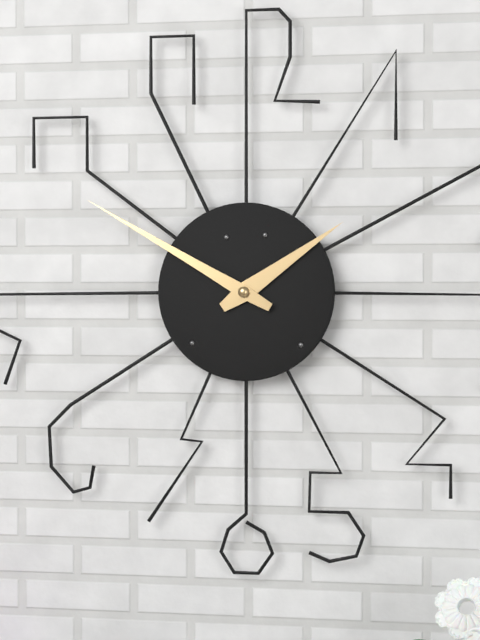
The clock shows 1h50
